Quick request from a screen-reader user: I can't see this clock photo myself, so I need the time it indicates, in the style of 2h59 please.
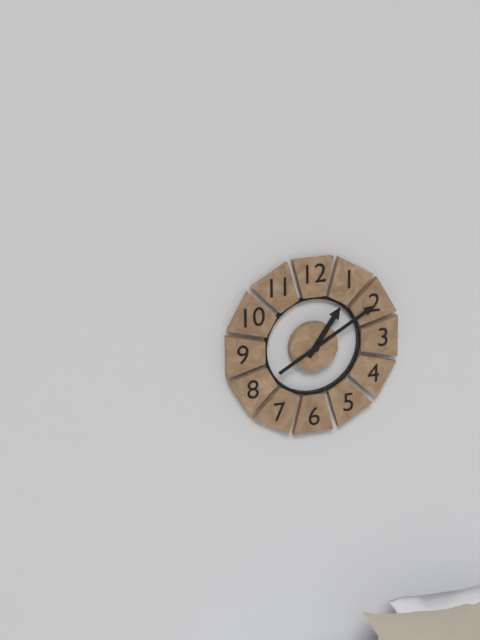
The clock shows 1h10
